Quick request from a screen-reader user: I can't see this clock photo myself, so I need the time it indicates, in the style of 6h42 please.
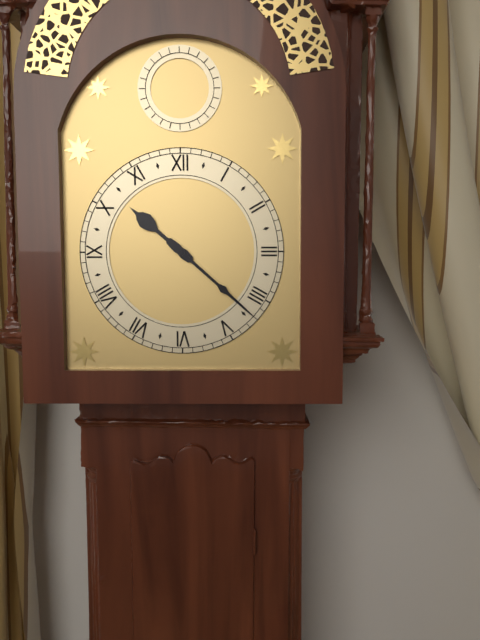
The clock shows 10h22
